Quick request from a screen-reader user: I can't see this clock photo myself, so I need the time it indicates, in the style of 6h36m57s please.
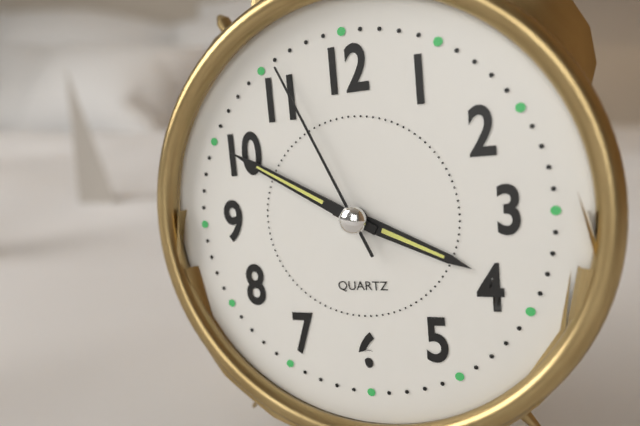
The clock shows 3h50m56s
